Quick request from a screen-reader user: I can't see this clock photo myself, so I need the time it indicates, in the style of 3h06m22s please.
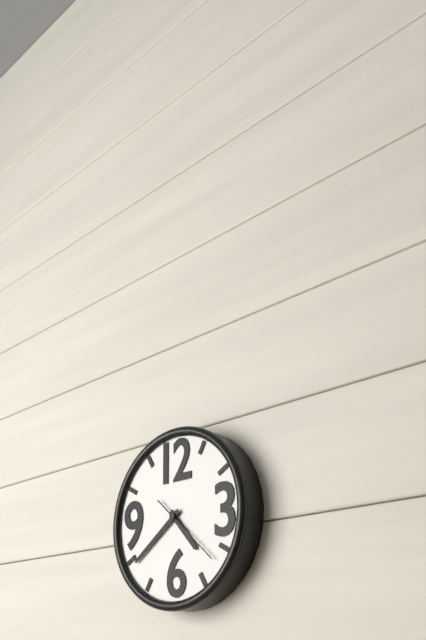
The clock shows 4h39m22s
